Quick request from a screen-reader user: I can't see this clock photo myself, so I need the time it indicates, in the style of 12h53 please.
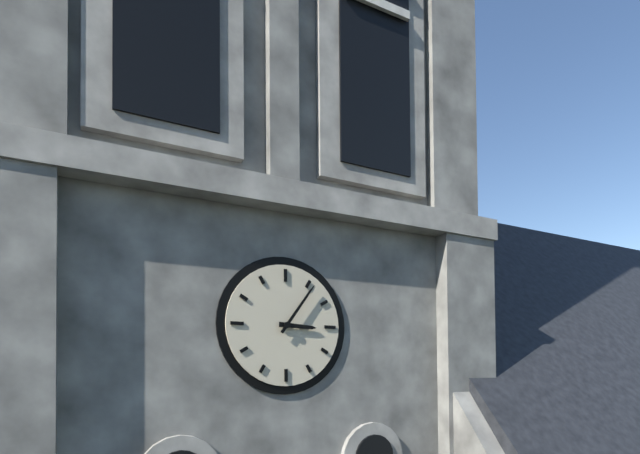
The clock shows 3h06
